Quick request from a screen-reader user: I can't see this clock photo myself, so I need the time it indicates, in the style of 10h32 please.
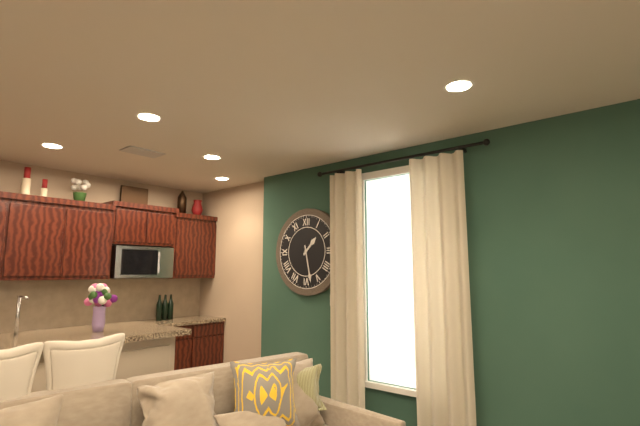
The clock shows 1h28
